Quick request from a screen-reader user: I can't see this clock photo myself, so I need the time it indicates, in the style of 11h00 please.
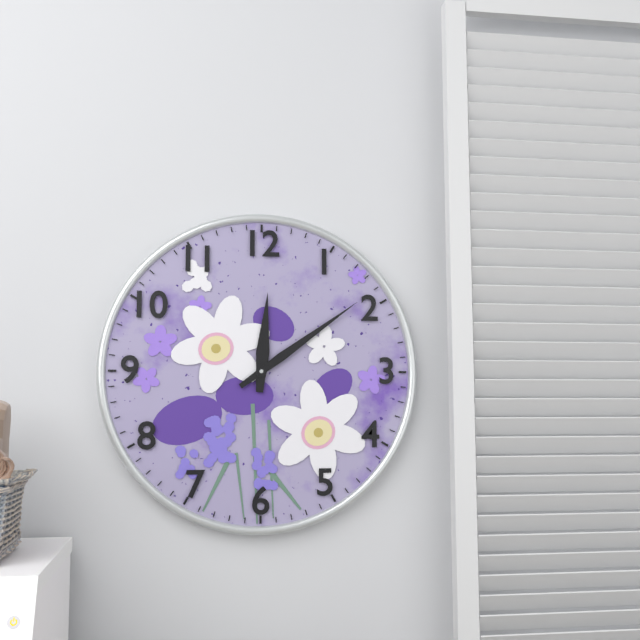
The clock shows 12h09
